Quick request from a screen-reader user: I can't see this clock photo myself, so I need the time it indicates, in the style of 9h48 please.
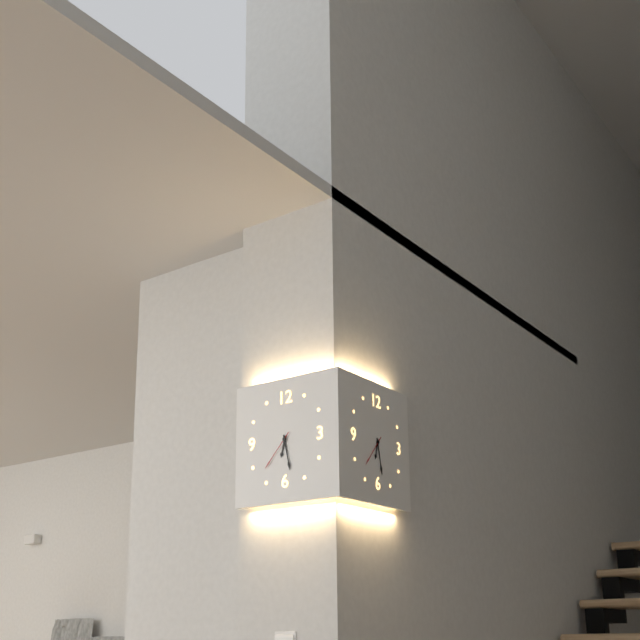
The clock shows 6h28
